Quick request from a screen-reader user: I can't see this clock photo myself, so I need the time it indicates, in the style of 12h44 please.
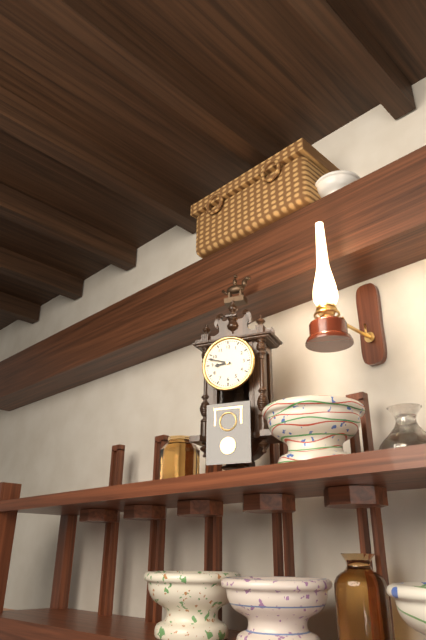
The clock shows 8h48
